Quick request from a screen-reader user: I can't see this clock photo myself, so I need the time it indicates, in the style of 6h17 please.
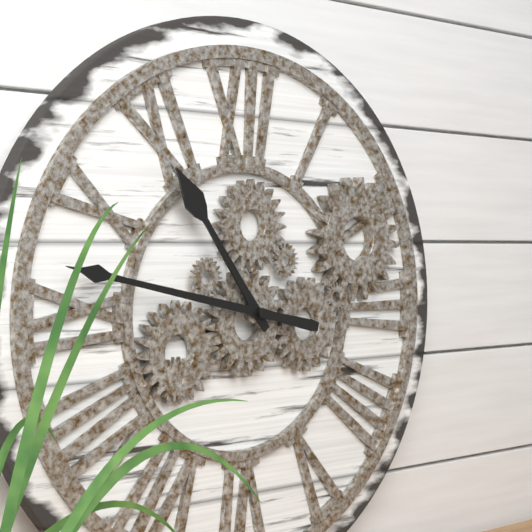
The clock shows 10h47
